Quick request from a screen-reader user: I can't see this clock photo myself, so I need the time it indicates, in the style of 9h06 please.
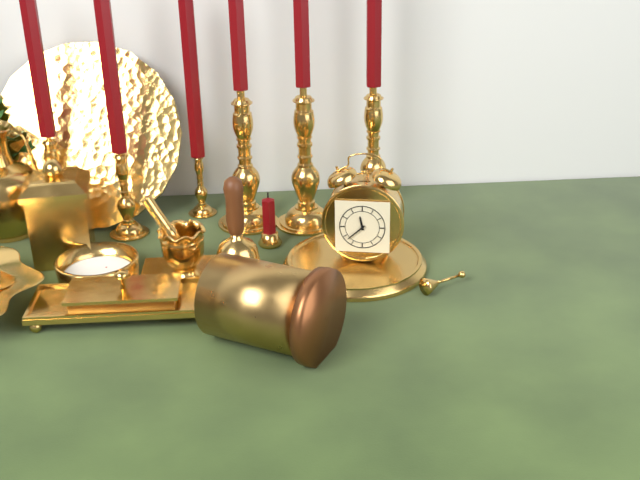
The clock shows 11h38
